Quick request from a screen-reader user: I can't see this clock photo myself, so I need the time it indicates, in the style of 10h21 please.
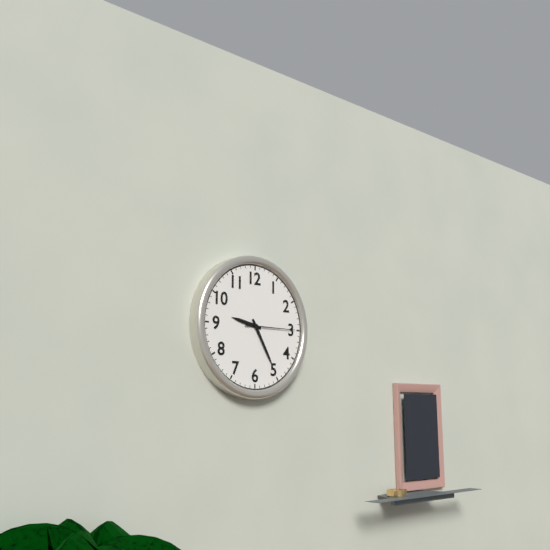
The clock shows 9h25
